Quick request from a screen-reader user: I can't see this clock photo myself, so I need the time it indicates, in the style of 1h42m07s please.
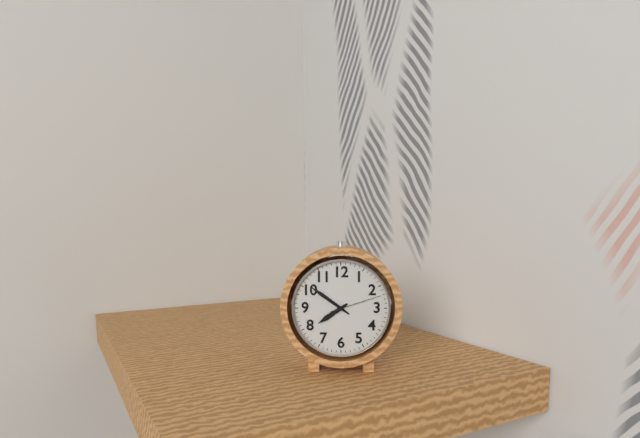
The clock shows 7h51m12s
